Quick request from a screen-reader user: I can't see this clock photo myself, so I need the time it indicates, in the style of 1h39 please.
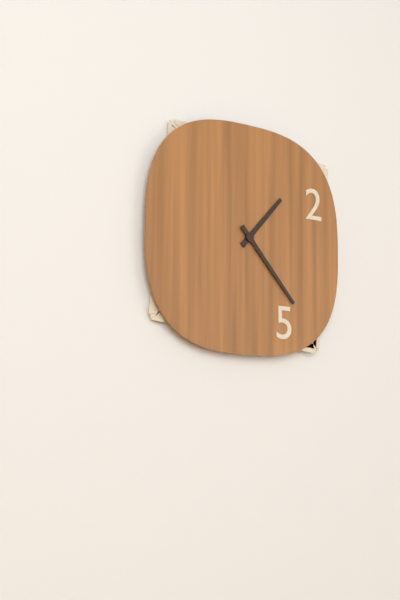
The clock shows 1h23
